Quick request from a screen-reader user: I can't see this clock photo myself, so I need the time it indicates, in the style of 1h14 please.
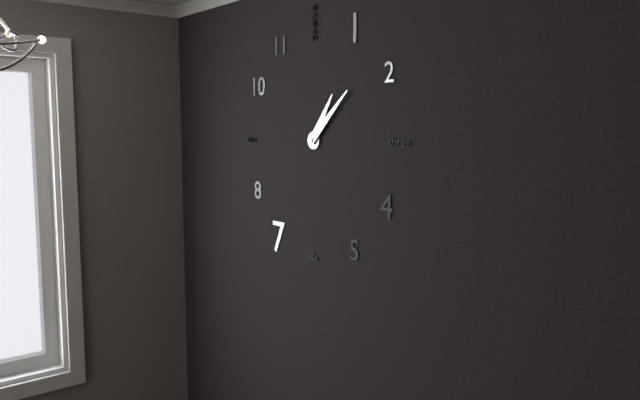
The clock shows 1h08
